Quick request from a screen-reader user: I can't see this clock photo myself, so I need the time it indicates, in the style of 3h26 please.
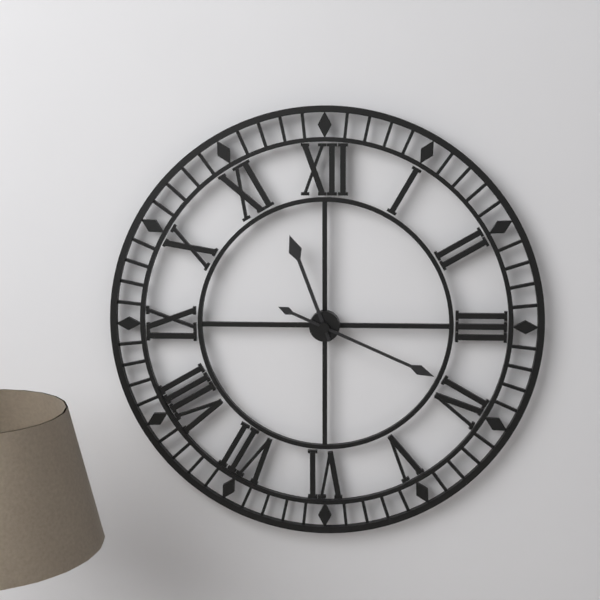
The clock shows 11h19
